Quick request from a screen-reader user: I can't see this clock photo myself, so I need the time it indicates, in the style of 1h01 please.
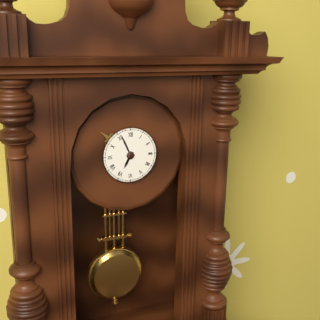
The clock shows 6h56
